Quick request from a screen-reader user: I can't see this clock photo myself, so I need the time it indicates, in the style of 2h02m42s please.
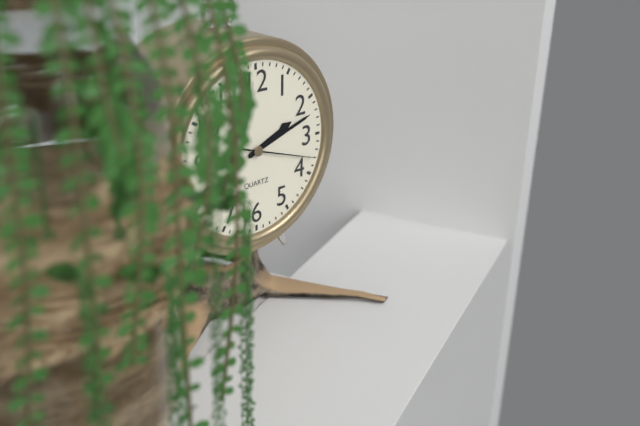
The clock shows 2h12m18s
